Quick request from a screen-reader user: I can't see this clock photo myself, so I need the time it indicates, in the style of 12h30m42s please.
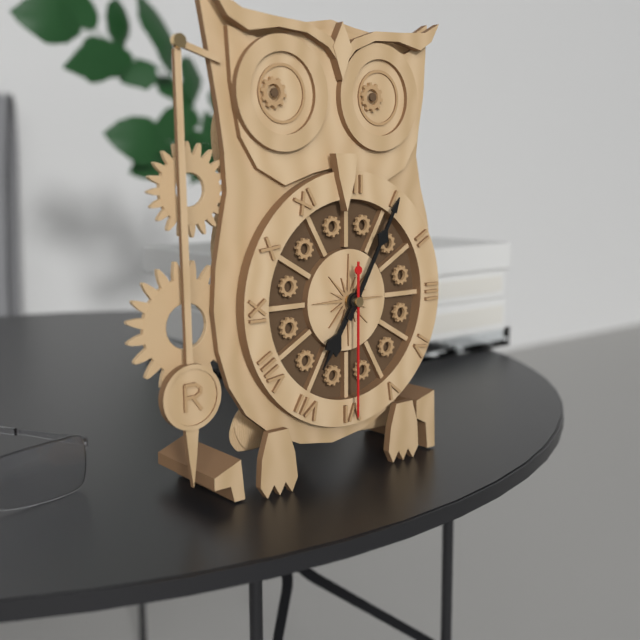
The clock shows 7h05m30s
